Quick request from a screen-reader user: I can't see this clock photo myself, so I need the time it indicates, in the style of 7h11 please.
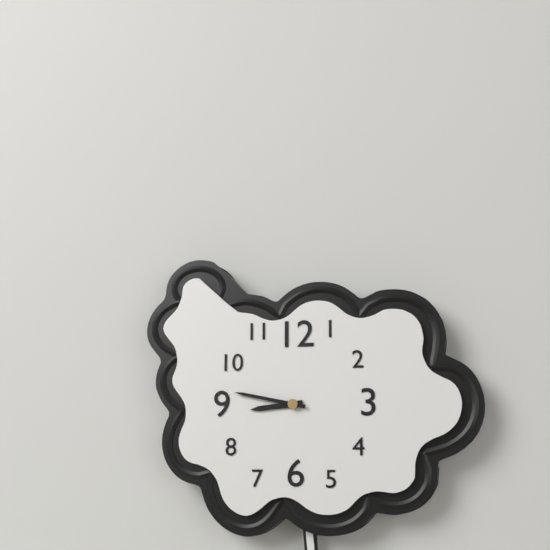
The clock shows 8h47
